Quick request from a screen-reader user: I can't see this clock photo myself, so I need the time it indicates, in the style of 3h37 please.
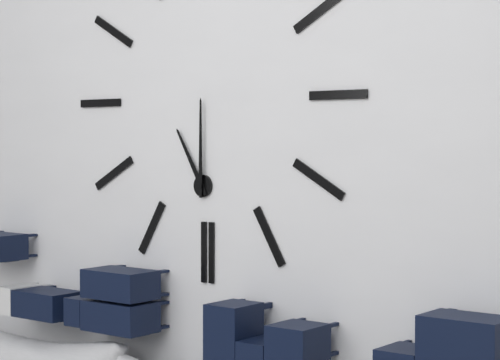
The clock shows 11h00
